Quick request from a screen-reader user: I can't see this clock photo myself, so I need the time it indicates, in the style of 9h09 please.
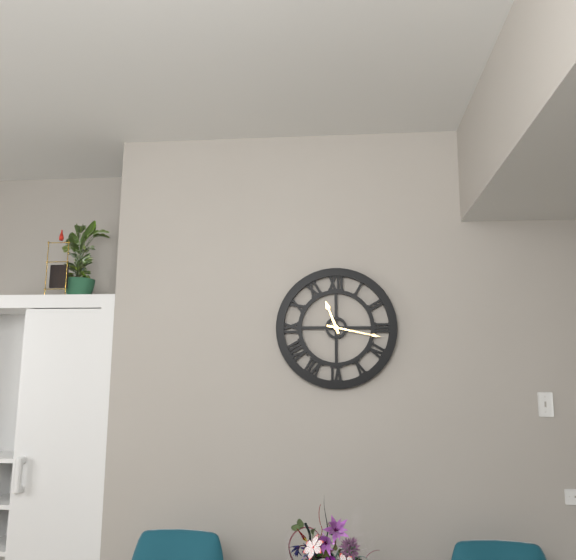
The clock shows 11h17
